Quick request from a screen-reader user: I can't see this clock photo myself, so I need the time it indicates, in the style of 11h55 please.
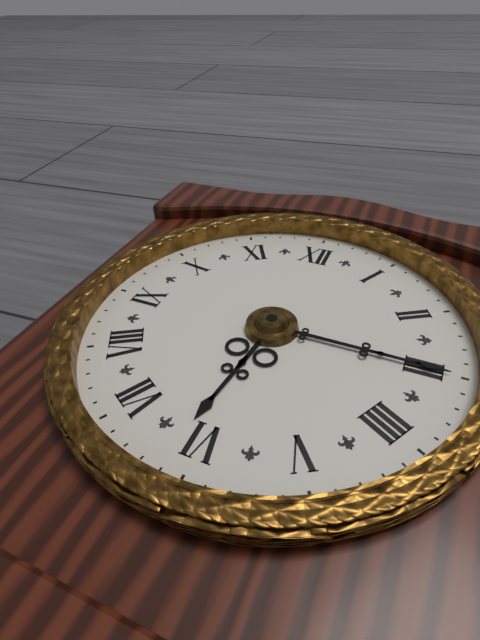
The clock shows 6h15
